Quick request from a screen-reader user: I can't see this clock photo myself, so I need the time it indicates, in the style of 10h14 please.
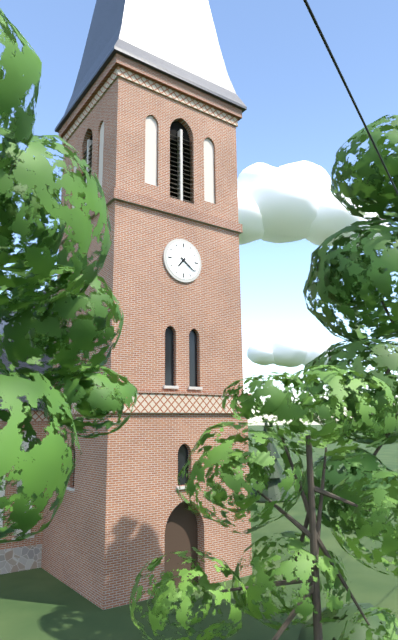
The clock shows 7h21
